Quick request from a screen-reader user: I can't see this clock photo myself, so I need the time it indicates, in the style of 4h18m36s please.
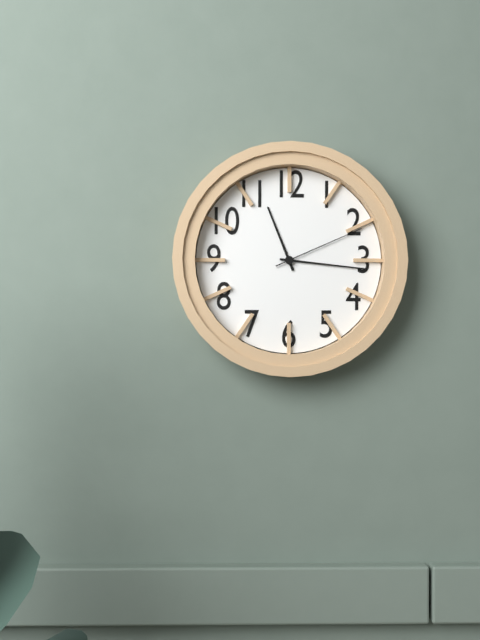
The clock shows 11h16m11s
